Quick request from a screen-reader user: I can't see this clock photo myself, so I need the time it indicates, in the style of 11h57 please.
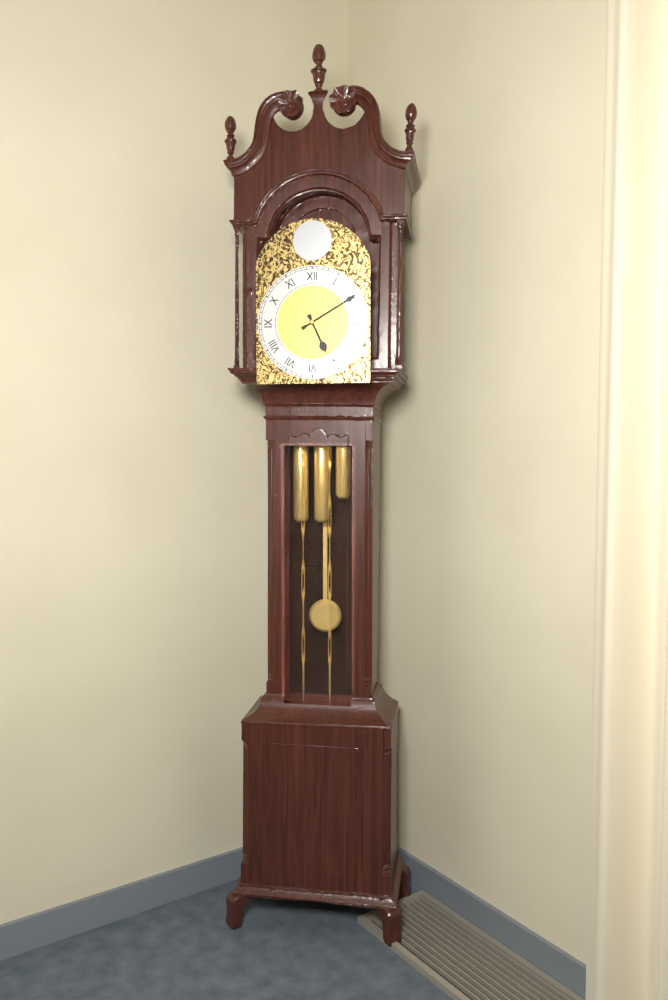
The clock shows 5h10
